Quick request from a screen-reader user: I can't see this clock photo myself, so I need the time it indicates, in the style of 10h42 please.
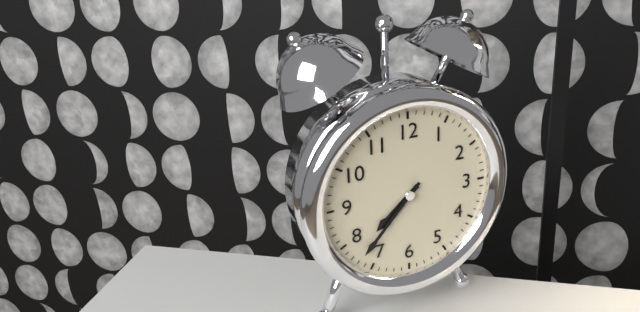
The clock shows 7h37
